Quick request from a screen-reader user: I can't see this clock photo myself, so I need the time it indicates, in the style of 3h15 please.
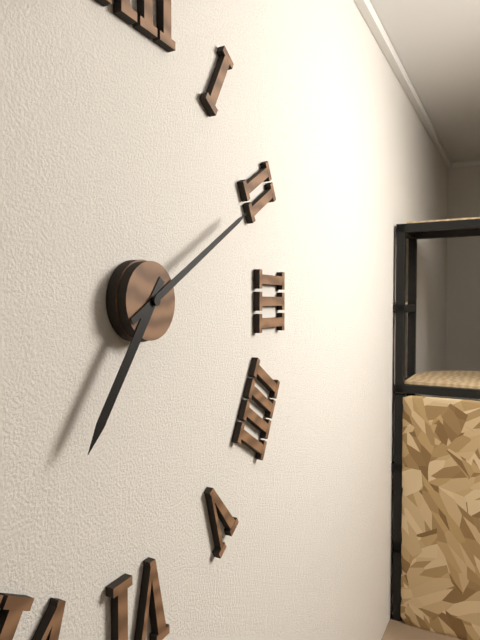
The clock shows 7h10
